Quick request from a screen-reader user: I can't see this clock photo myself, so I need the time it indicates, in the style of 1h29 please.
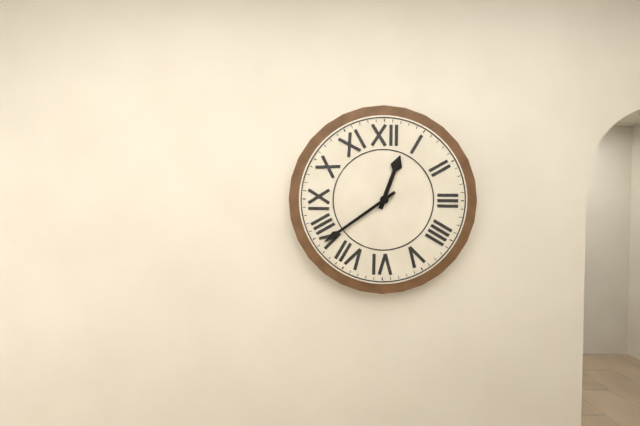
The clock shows 12h39
